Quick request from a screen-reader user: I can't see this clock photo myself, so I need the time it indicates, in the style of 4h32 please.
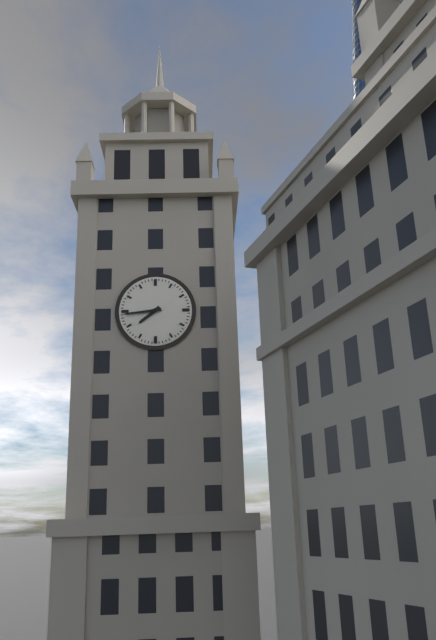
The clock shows 7h44
